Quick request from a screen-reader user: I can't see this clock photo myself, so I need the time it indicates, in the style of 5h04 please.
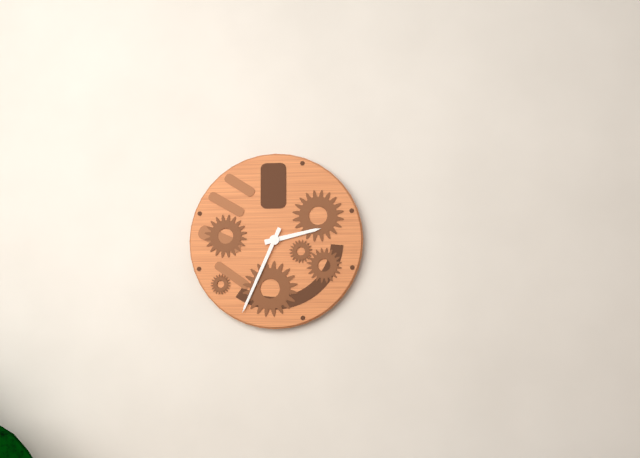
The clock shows 2h34
